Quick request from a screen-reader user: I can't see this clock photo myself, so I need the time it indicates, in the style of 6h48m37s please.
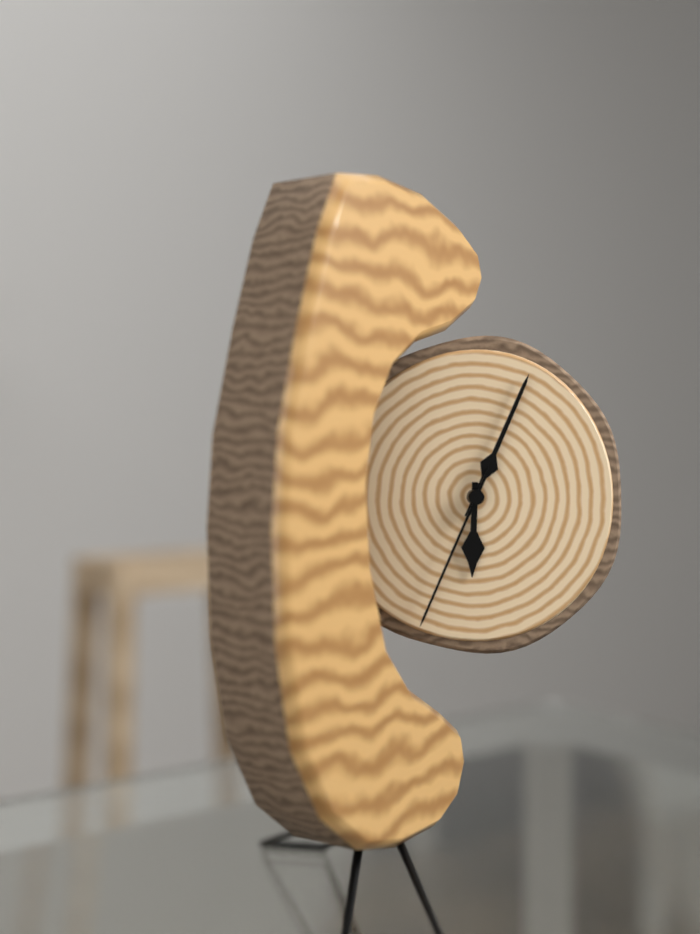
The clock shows 6h04m34s
